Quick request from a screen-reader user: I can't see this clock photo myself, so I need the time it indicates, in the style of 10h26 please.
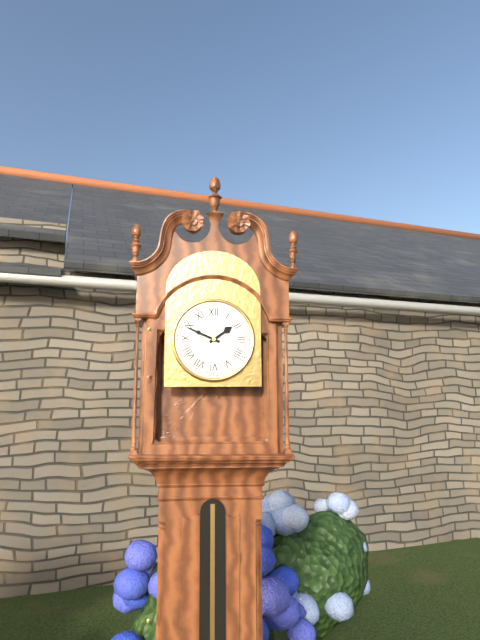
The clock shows 1h49
